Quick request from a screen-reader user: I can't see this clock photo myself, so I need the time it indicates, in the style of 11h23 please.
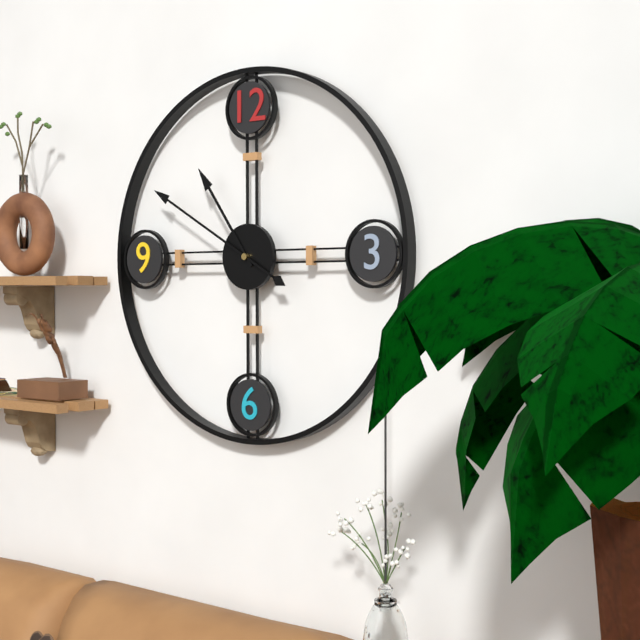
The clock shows 10h50
